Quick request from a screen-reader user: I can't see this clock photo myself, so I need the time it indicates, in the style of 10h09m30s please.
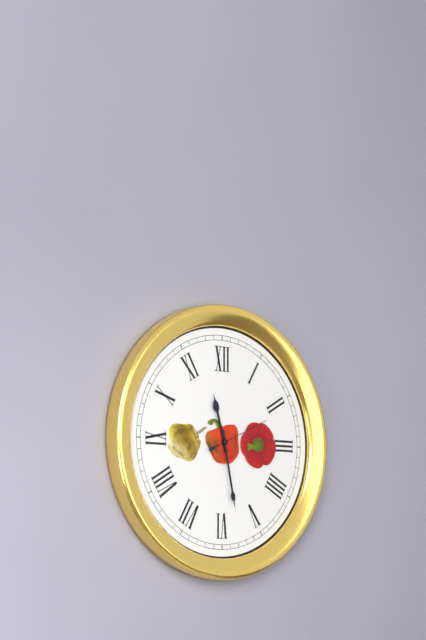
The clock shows 11h28m11s
